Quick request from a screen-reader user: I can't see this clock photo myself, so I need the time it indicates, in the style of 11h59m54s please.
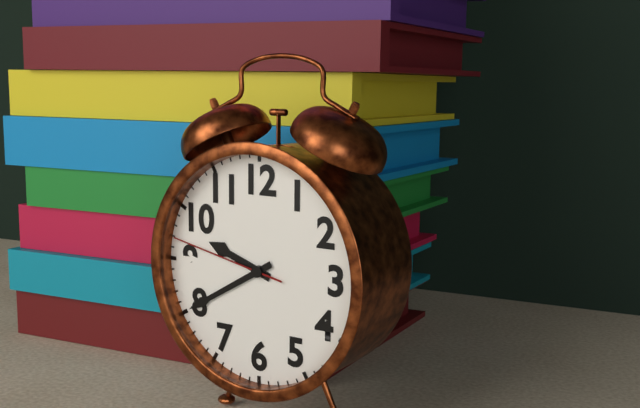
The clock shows 9h40m47s
